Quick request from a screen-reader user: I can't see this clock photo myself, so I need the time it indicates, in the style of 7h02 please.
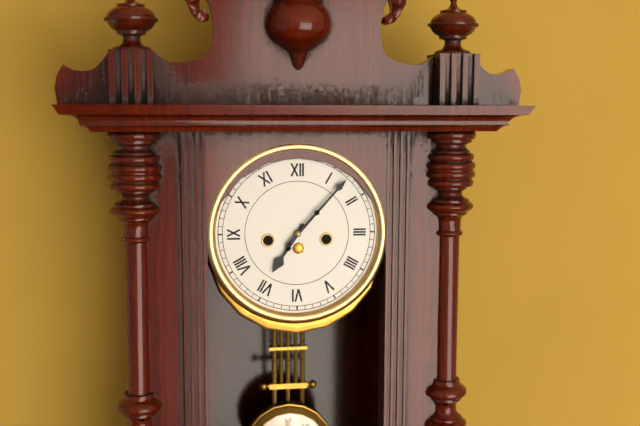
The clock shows 7h07
